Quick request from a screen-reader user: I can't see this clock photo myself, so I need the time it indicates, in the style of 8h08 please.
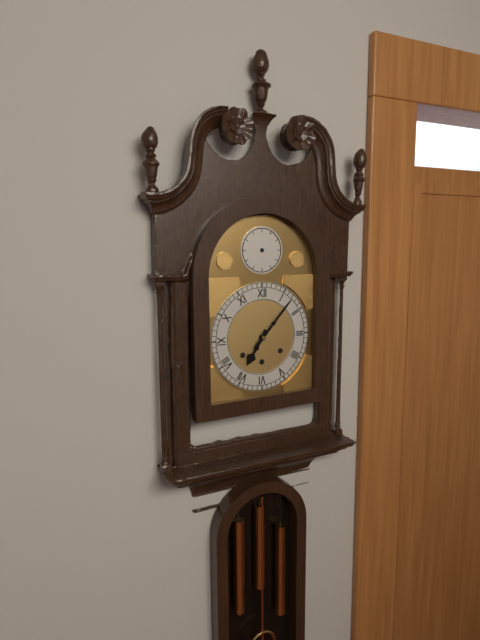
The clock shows 7h07
